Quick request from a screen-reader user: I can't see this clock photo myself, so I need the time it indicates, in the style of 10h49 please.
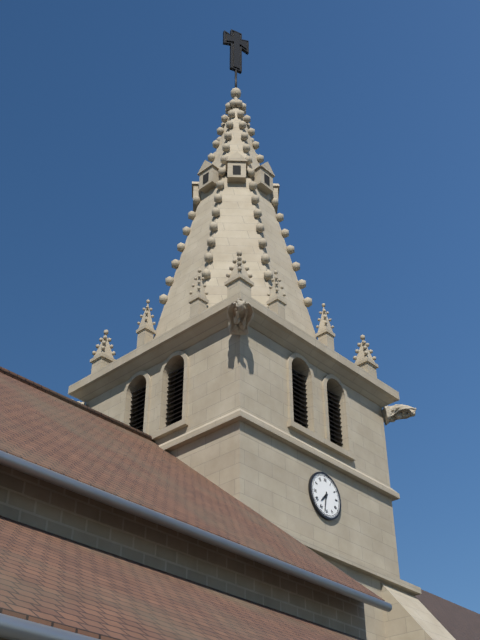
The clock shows 7h32
